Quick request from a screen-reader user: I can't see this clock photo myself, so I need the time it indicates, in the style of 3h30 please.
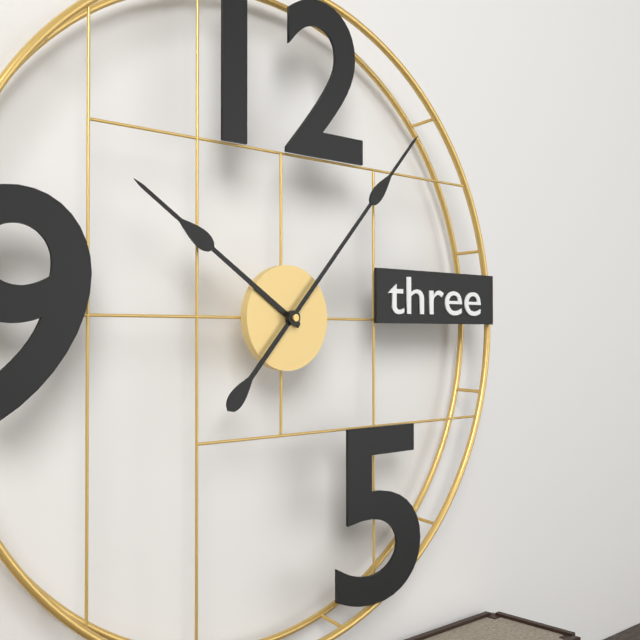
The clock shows 10h07
